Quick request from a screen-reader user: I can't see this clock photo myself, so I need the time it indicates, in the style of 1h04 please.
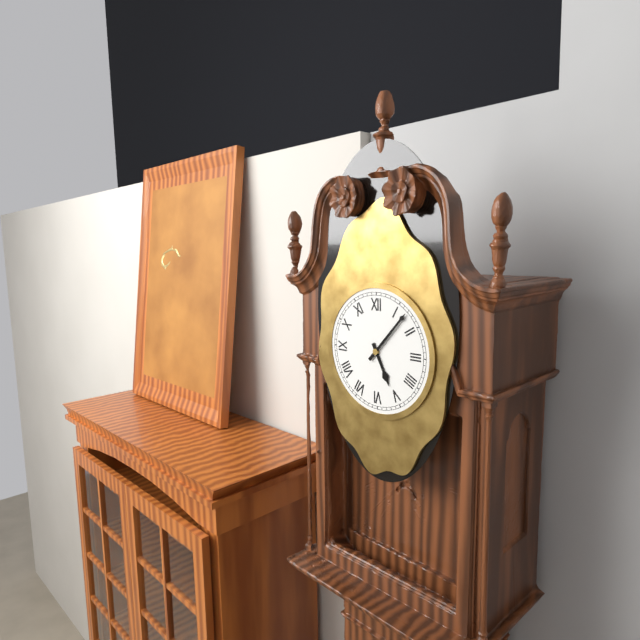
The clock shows 5h07
